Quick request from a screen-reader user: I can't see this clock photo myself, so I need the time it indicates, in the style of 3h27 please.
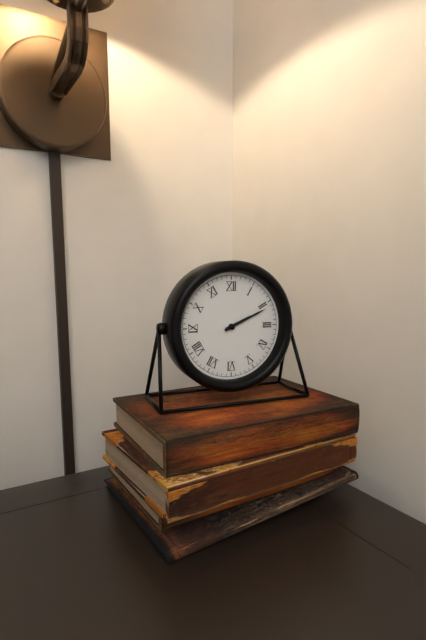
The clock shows 2h11
